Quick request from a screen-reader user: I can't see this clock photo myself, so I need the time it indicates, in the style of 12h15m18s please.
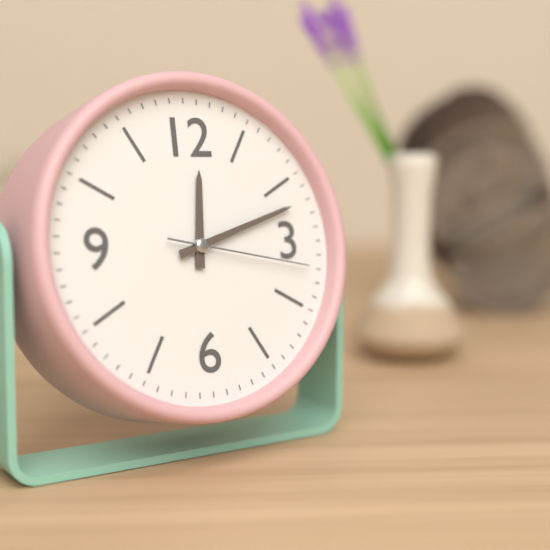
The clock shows 12h12m17s
